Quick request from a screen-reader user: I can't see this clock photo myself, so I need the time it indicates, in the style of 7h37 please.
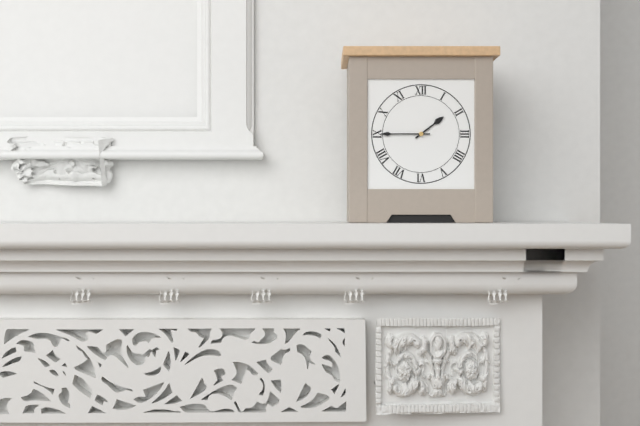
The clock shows 1h45
